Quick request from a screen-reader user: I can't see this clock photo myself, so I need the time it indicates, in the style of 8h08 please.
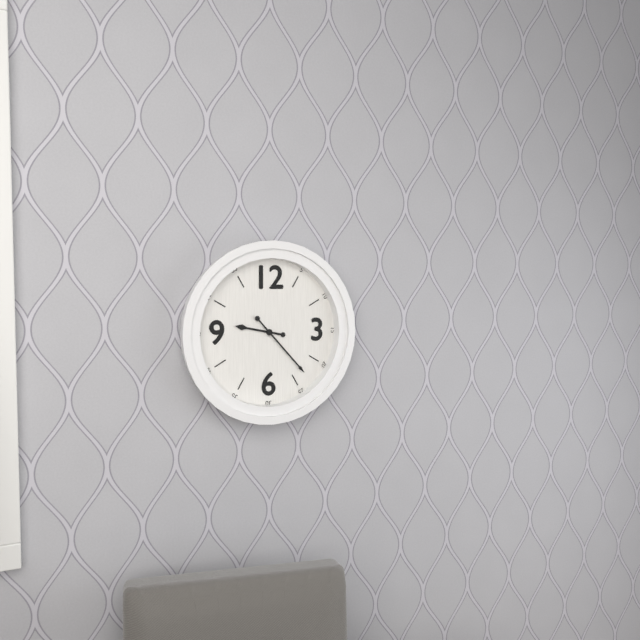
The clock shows 9h23
